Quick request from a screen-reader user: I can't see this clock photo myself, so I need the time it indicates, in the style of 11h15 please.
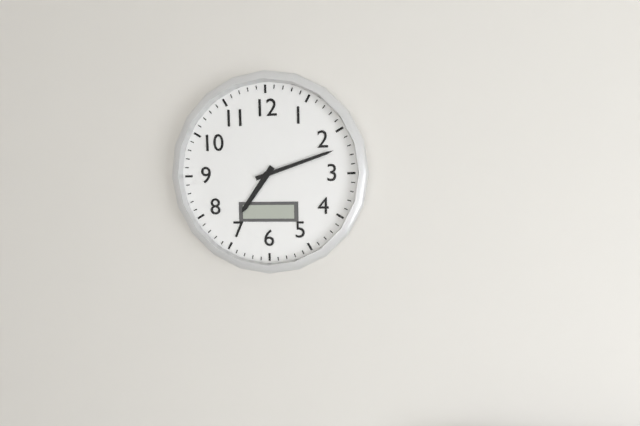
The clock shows 7h12
